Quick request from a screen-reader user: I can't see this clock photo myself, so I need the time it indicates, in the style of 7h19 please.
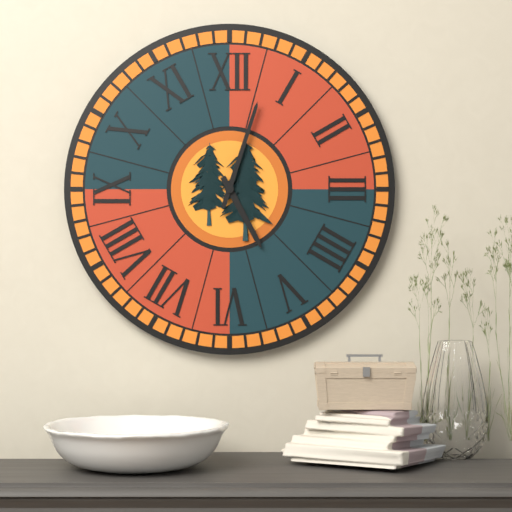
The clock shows 5h03
